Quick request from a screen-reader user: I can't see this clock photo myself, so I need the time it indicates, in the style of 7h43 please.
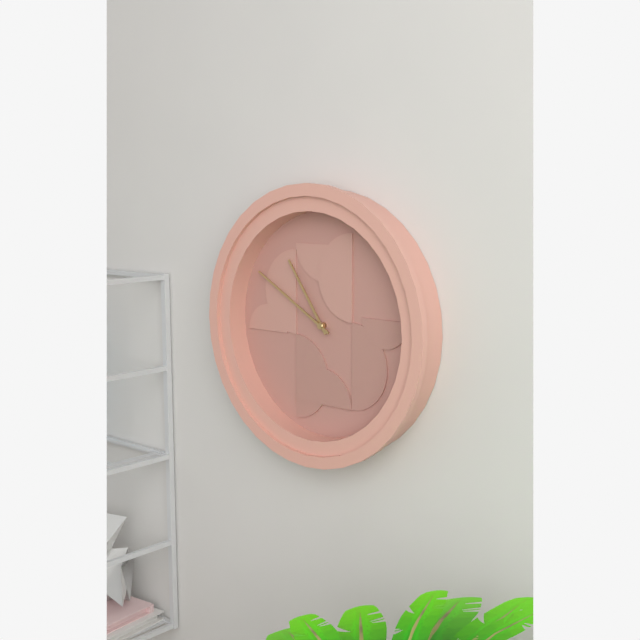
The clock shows 10h50
